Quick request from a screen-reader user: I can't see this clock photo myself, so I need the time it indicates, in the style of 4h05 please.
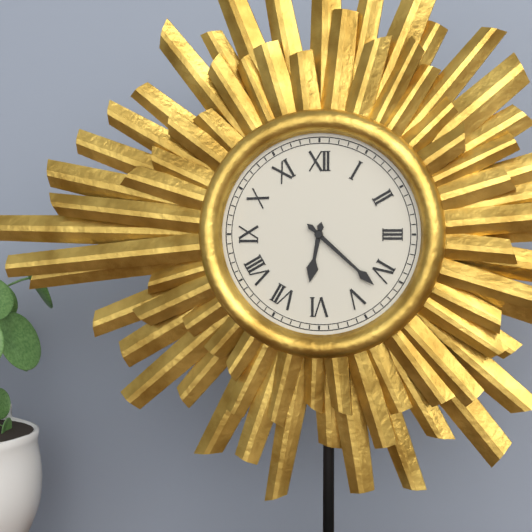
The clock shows 6h22
